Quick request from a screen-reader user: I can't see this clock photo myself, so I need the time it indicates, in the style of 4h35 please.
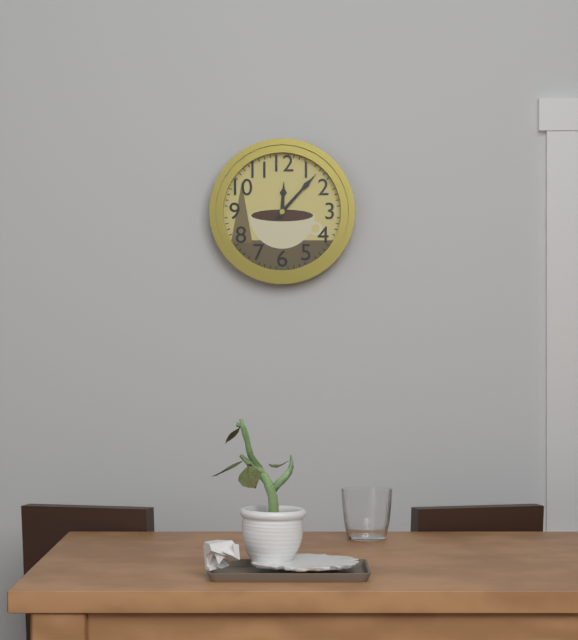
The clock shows 12h07
